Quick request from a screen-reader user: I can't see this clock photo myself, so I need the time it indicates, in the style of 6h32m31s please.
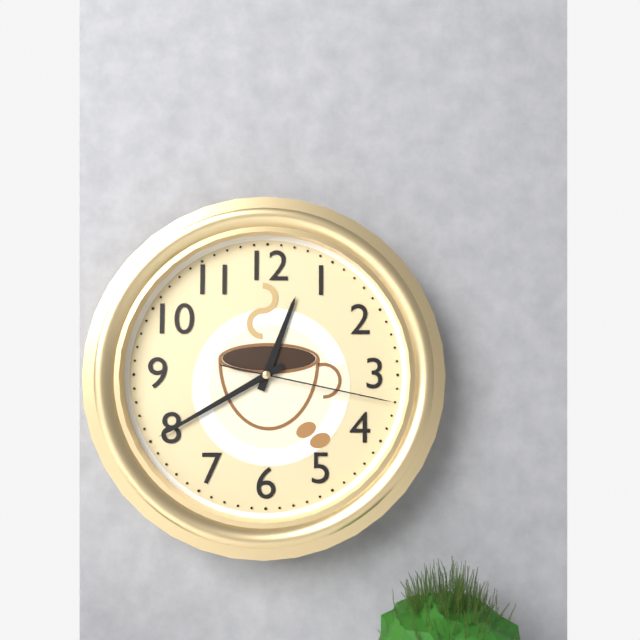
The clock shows 12h40m17s
